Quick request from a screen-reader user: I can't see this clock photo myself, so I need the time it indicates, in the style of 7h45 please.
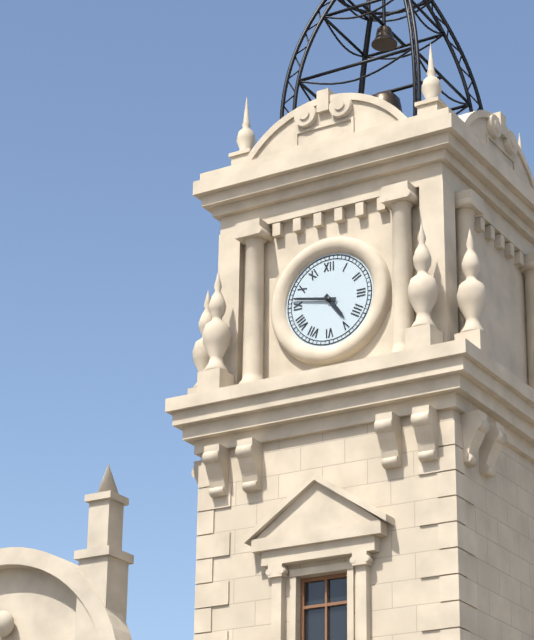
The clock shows 4h47
